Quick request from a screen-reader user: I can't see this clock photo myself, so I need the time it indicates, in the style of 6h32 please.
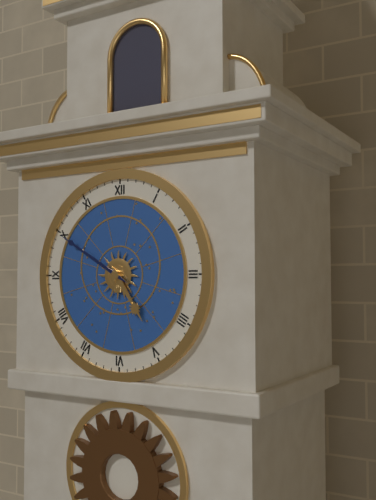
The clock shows 4h50
